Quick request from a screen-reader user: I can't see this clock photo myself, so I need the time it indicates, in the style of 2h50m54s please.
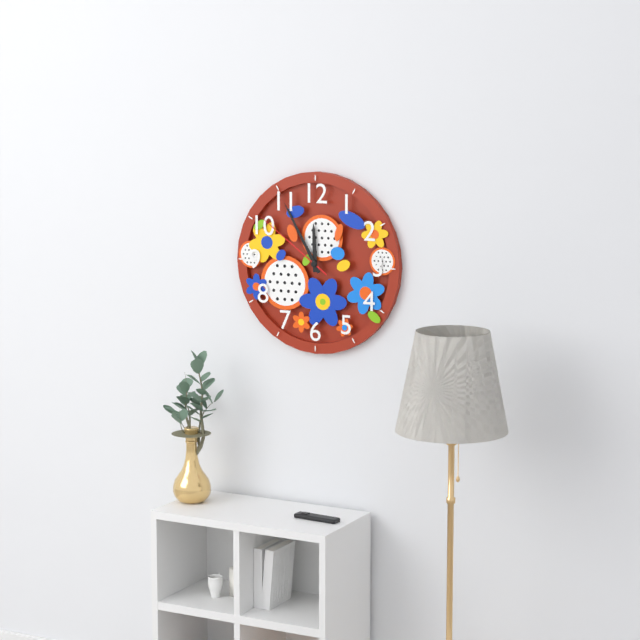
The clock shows 11h55m51s
